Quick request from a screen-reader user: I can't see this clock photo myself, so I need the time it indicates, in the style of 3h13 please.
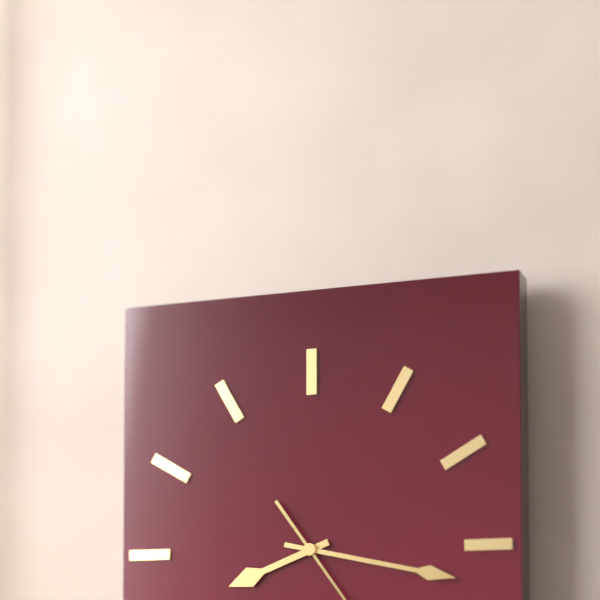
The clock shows 8h17
